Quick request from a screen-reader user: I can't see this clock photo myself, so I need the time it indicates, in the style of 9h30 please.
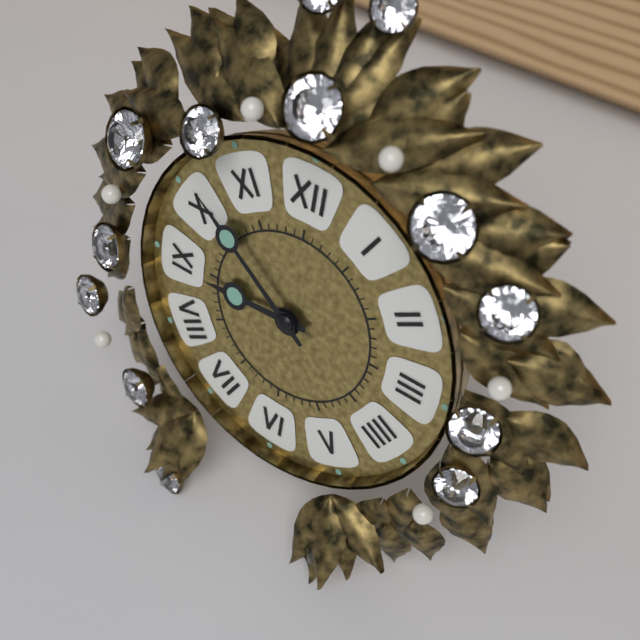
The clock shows 8h51
